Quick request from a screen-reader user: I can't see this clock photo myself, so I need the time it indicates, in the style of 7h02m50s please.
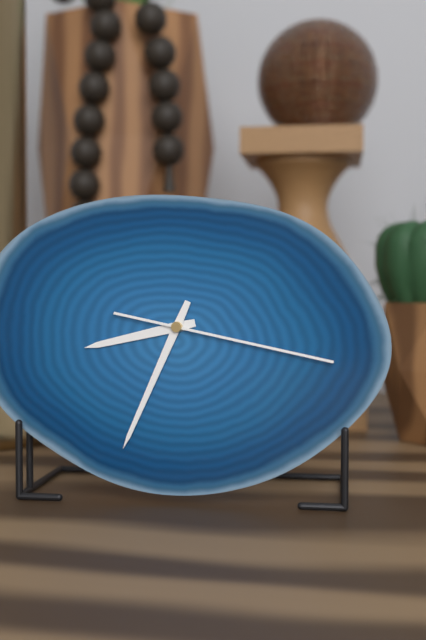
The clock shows 8h34m17s
